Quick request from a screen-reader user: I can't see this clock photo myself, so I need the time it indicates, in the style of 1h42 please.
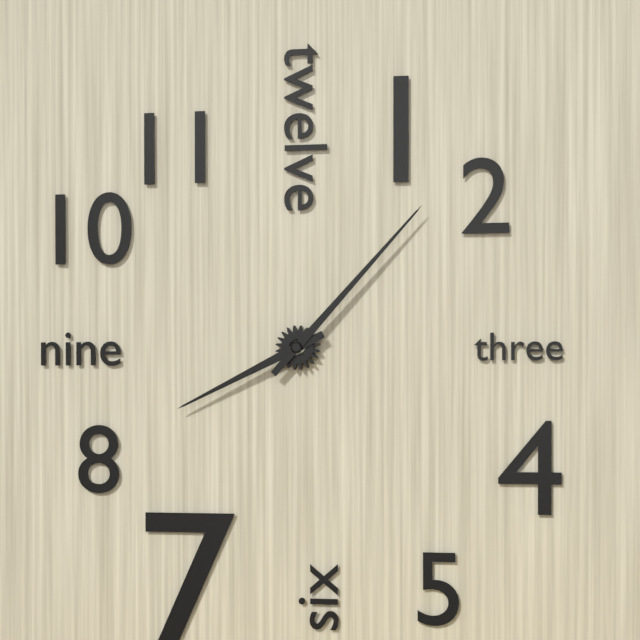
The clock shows 8h07
